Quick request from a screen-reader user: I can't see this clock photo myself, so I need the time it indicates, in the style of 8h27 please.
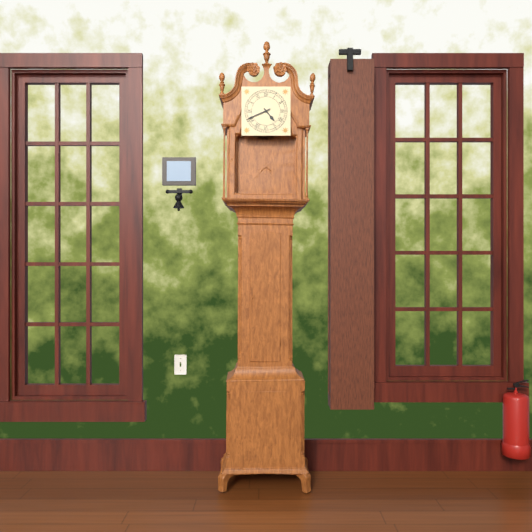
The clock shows 4h41
